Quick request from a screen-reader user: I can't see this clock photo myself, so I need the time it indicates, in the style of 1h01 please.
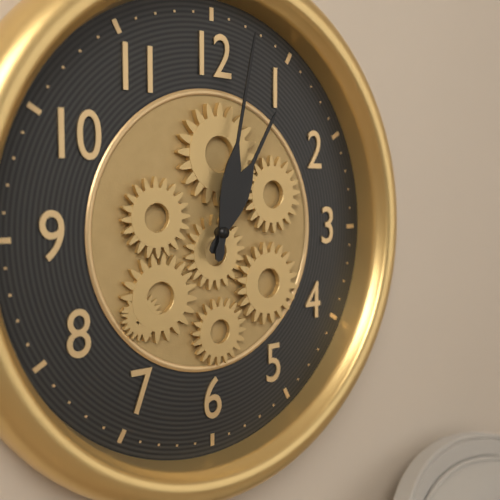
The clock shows 1h02
